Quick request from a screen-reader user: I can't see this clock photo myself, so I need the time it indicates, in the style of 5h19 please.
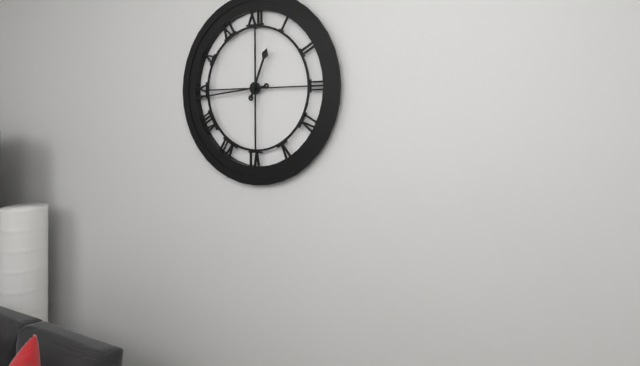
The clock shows 12h44
